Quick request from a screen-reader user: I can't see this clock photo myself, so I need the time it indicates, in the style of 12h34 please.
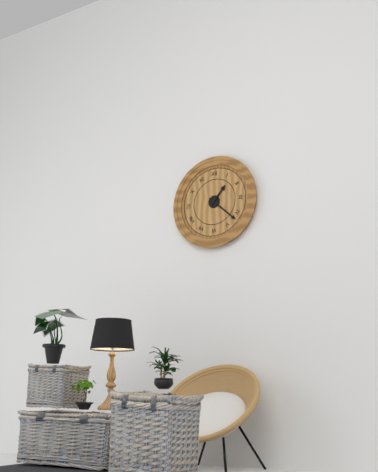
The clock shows 1h22
